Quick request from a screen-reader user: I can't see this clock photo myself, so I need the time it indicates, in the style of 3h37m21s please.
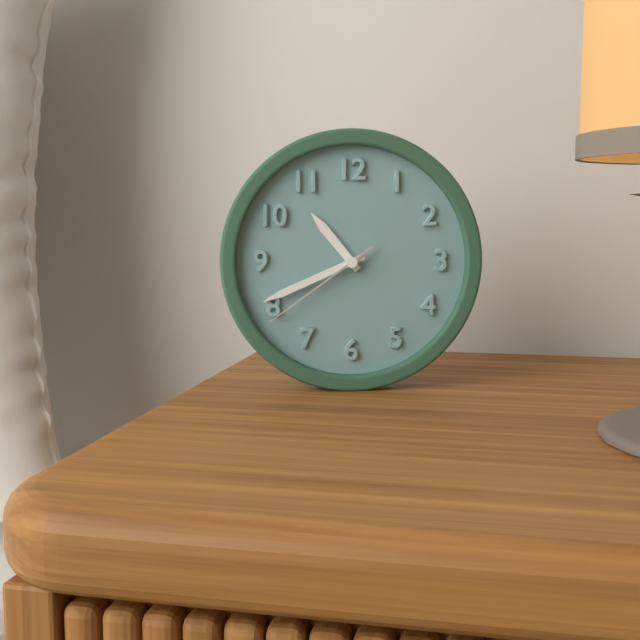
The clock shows 10h41m39s
